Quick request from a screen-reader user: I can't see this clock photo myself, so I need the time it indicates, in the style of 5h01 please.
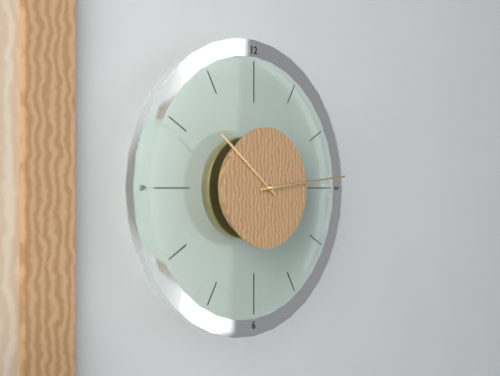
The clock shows 10h14
